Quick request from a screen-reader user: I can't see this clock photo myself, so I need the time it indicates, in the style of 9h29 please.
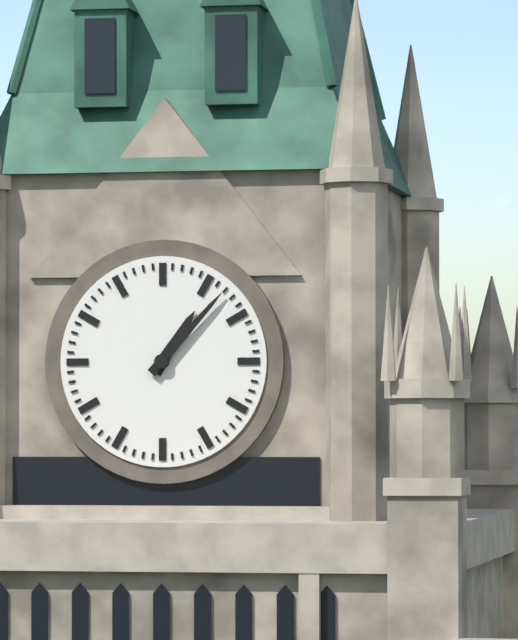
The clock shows 1h07
